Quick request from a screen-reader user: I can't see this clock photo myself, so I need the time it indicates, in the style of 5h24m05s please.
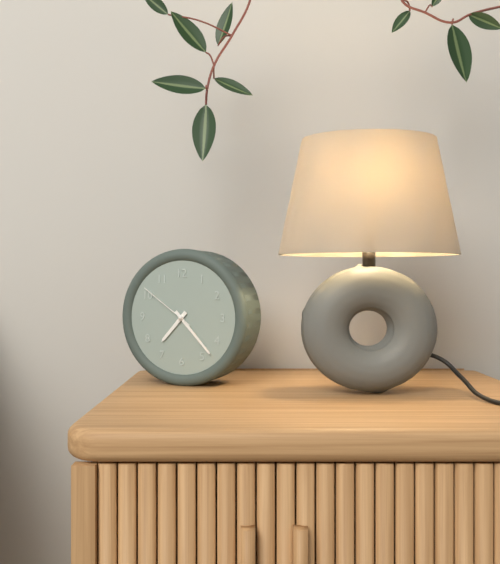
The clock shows 7h23m51s
